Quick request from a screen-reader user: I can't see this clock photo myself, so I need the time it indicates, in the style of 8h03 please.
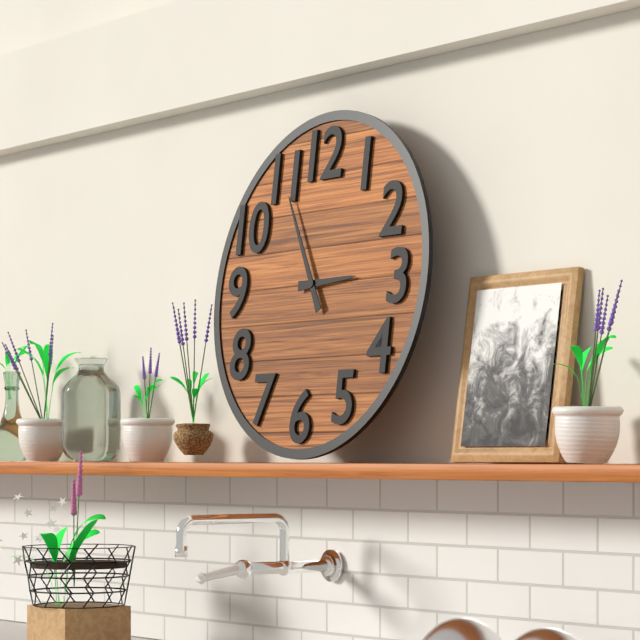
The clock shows 2h55
